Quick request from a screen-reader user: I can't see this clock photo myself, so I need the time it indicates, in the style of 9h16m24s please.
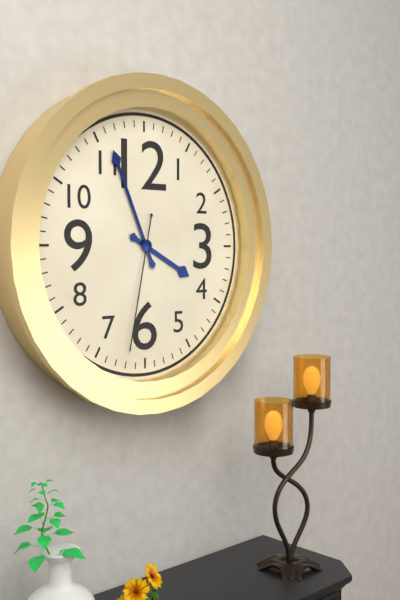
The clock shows 3h56m32s
